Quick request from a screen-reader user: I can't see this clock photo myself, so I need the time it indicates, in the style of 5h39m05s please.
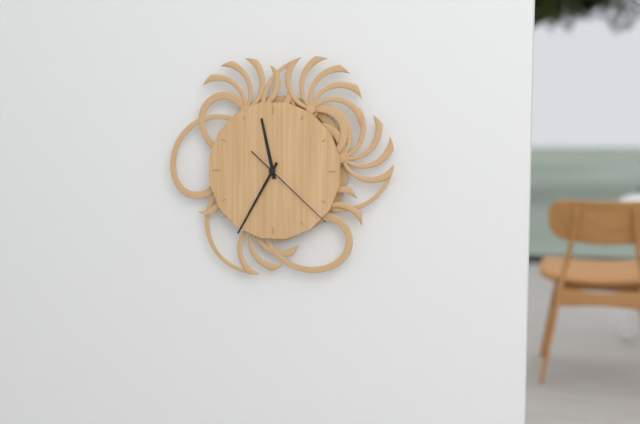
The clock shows 11h35m22s
